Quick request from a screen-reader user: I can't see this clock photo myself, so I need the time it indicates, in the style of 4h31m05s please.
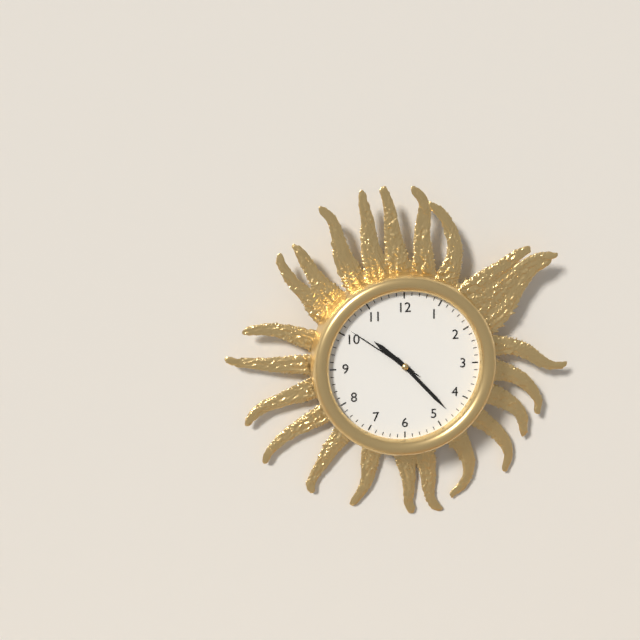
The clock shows 10h23m51s
